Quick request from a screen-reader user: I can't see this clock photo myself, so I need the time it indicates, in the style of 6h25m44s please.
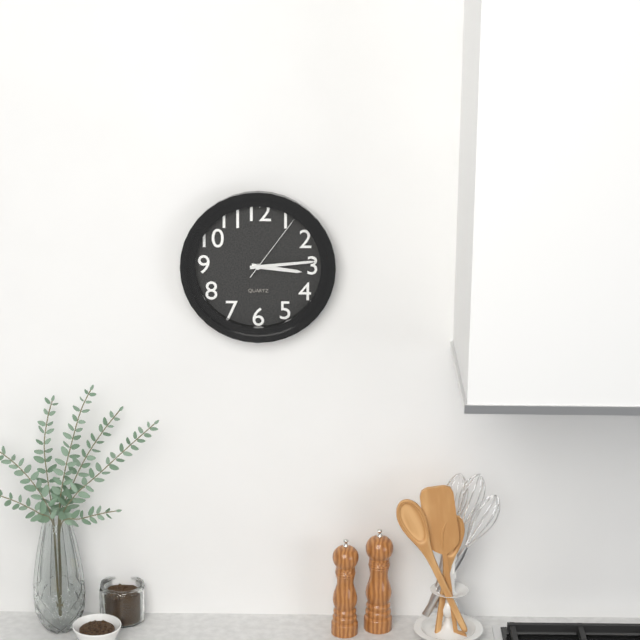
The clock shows 3h14m06s
